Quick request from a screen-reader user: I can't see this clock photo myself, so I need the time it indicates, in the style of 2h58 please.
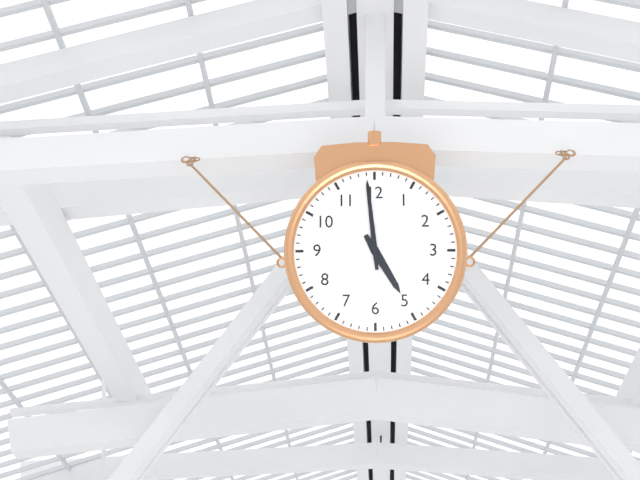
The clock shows 4h59
